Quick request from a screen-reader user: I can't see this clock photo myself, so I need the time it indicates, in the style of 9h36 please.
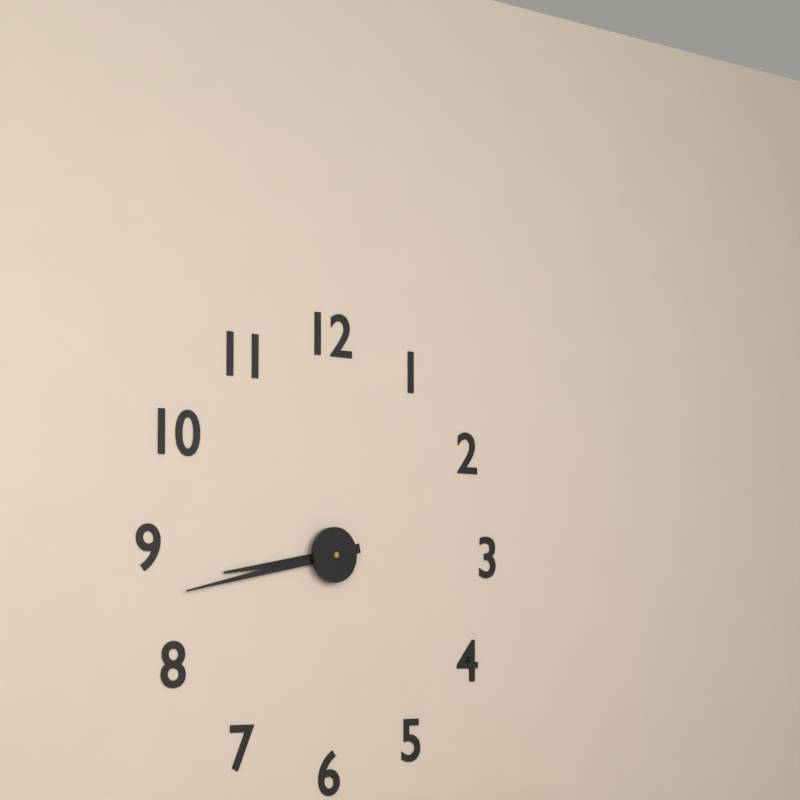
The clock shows 8h43
